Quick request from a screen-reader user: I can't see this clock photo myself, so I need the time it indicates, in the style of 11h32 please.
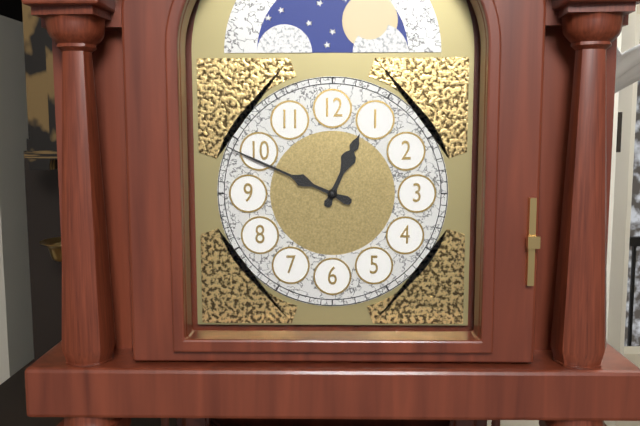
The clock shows 12h49
